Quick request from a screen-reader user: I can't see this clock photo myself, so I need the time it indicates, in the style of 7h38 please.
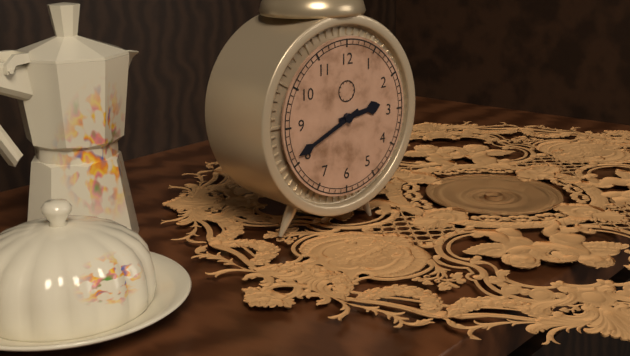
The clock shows 2h41
